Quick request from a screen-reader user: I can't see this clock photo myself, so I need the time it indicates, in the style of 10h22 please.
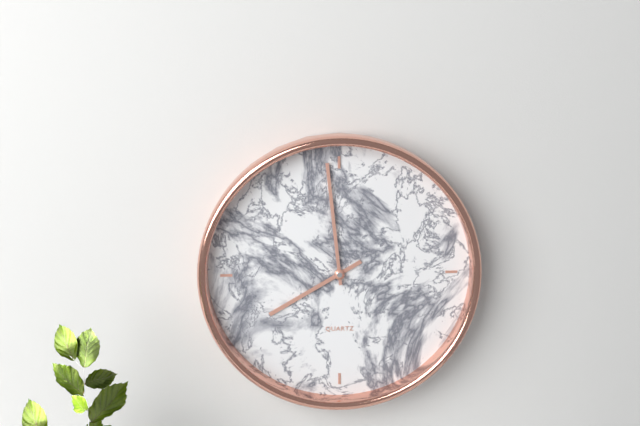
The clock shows 7h59
